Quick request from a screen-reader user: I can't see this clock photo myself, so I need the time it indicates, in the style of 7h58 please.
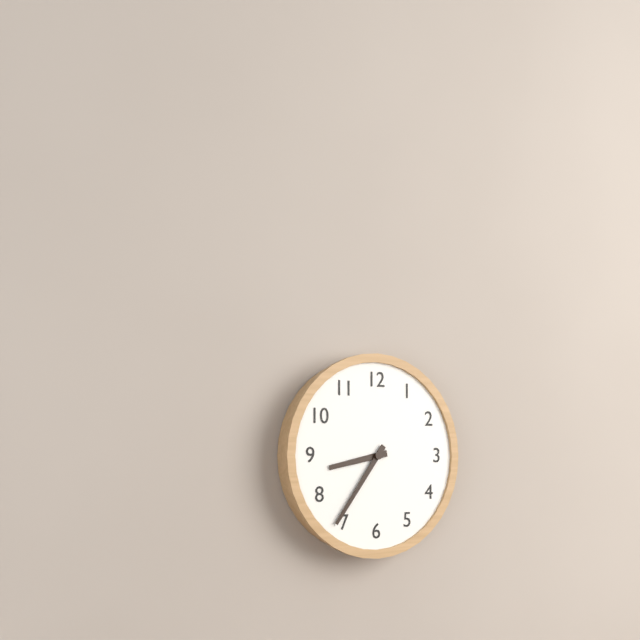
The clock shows 8h36
